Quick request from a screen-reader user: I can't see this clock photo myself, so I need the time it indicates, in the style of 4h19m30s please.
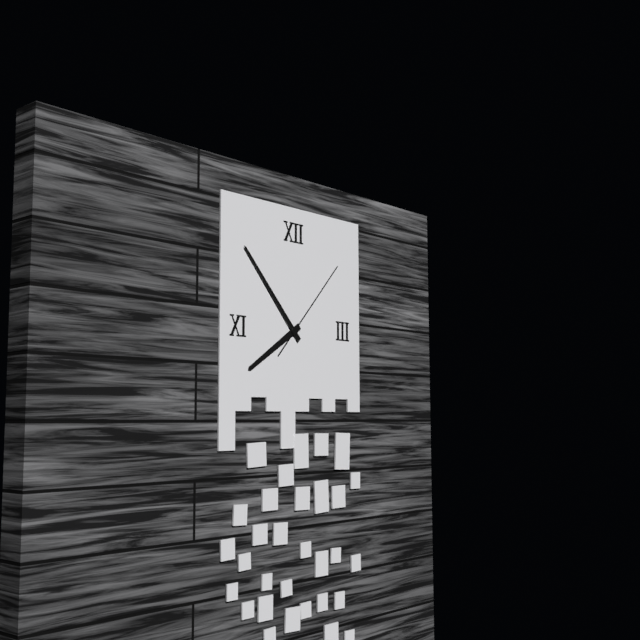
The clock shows 7h53m07s
